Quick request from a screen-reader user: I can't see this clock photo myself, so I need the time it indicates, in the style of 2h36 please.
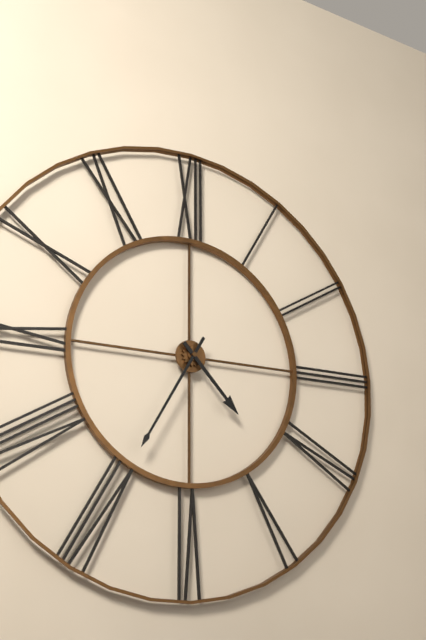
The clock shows 4h35
